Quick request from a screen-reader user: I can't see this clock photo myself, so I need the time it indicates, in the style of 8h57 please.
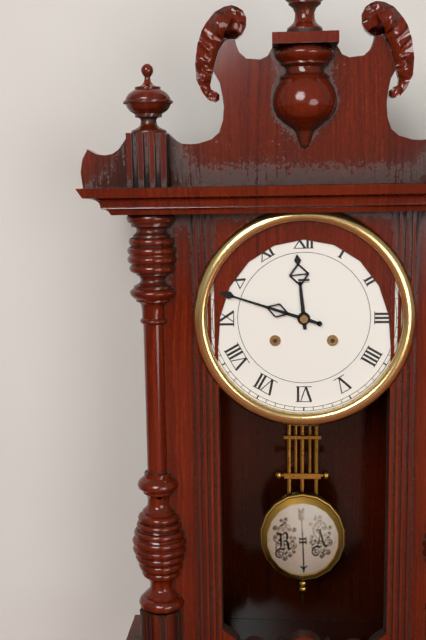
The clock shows 11h48
